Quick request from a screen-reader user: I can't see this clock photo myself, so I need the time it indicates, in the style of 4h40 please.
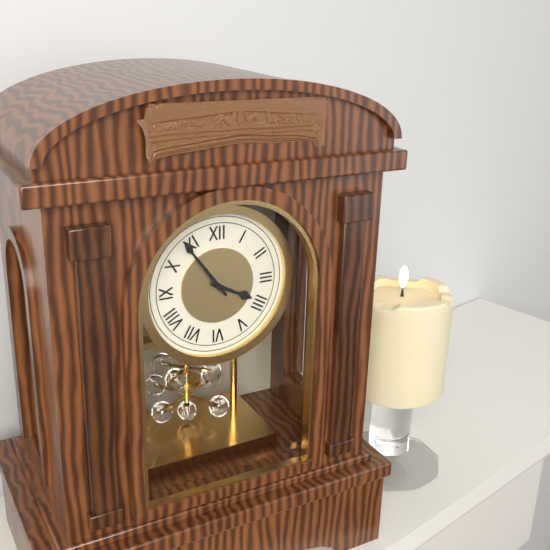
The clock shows 3h54
